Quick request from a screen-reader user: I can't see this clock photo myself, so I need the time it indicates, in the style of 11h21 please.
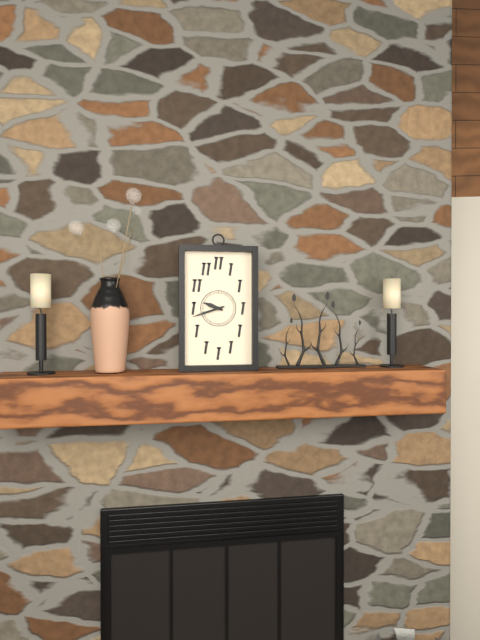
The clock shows 9h42
